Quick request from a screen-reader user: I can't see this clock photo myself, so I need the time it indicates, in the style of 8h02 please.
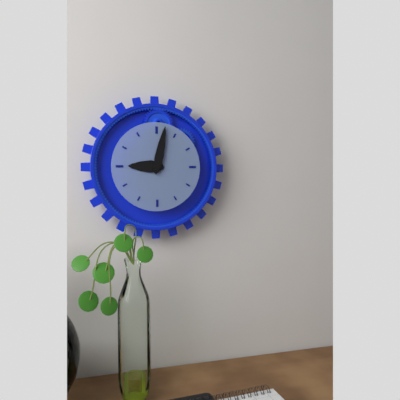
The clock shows 9h02
